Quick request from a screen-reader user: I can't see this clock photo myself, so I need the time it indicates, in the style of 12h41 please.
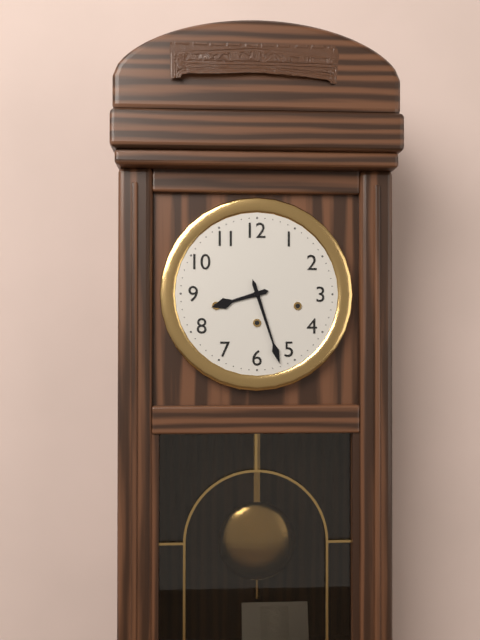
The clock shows 8h27
